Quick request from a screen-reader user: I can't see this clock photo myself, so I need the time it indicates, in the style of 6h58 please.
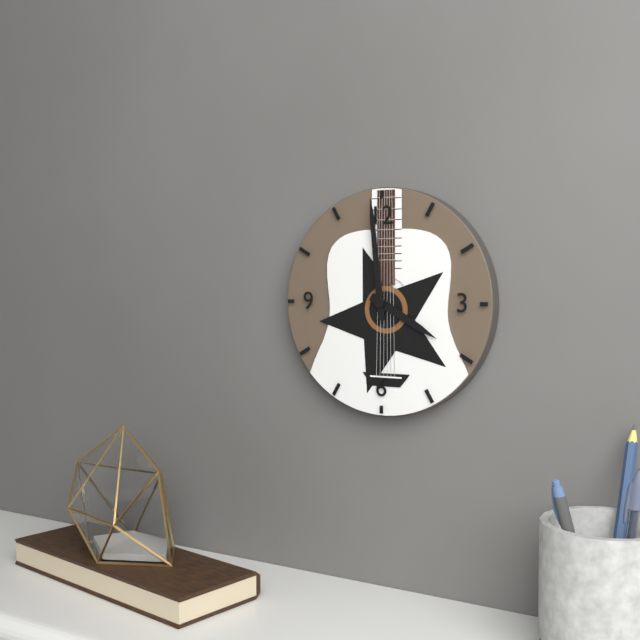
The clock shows 3h59
